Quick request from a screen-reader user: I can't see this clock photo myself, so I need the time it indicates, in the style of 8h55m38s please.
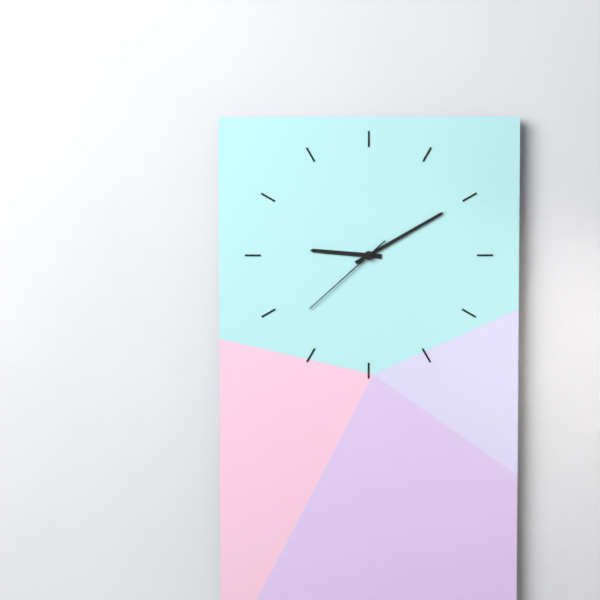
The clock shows 9h10m38s
